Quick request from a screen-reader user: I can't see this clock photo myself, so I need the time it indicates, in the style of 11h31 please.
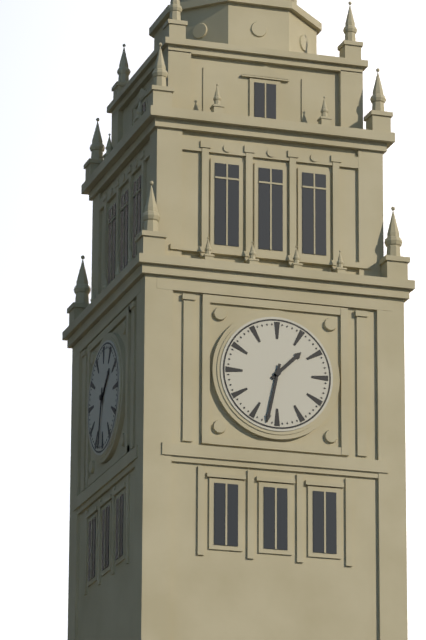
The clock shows 1h32
